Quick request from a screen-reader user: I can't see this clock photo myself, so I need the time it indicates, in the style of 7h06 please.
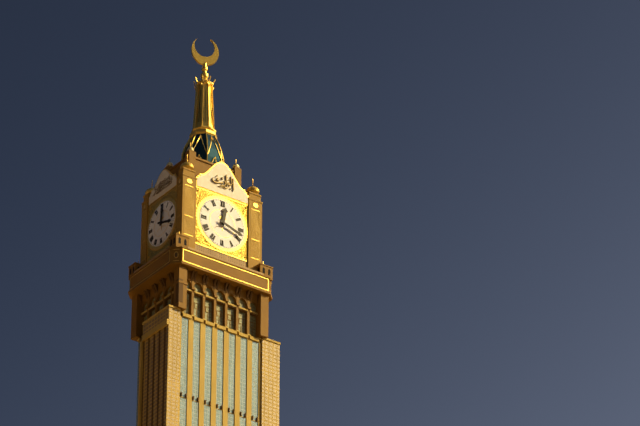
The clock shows 12h18
